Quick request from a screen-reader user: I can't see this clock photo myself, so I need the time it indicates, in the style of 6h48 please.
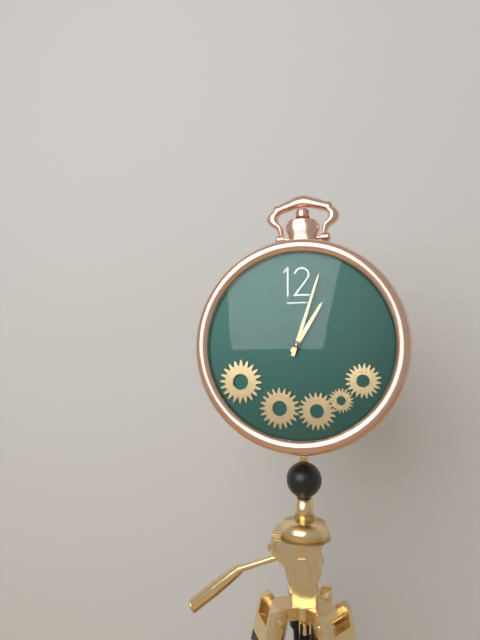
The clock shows 1h03
